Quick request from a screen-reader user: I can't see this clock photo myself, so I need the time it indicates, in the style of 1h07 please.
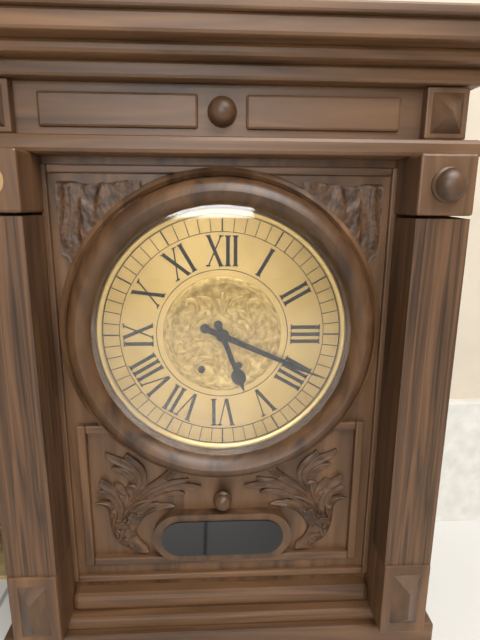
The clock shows 5h19
